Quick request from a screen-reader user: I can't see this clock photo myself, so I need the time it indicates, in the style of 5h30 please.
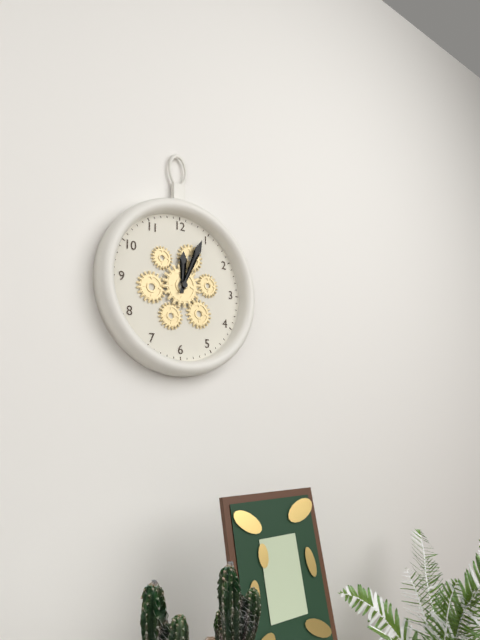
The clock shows 12h04
